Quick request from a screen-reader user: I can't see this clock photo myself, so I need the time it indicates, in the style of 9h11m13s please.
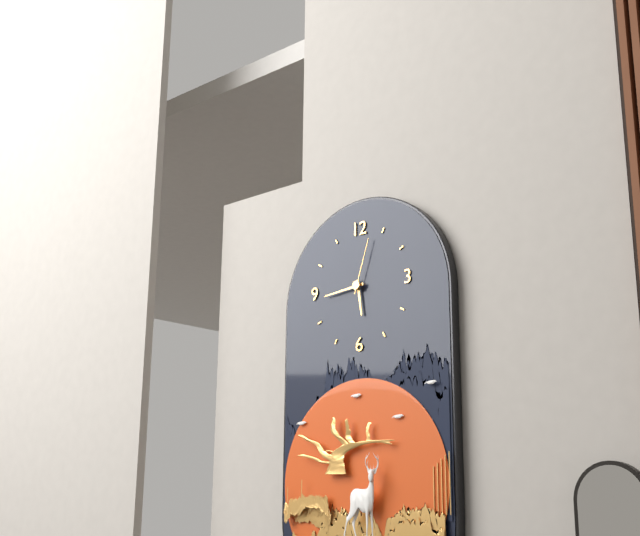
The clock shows 5h44m03s
